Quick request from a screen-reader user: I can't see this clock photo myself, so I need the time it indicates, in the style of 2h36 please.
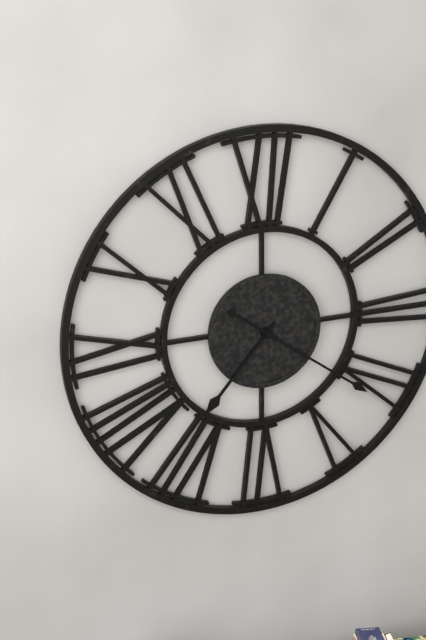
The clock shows 7h21
